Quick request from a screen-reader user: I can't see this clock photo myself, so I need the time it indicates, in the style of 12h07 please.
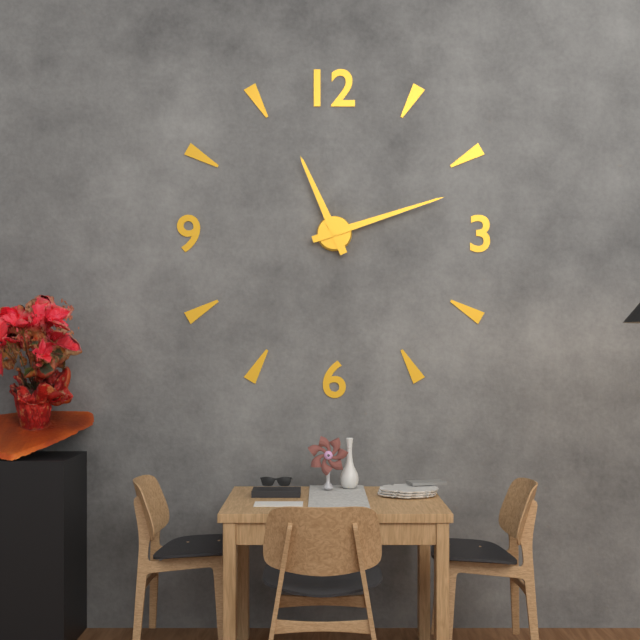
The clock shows 11h12
